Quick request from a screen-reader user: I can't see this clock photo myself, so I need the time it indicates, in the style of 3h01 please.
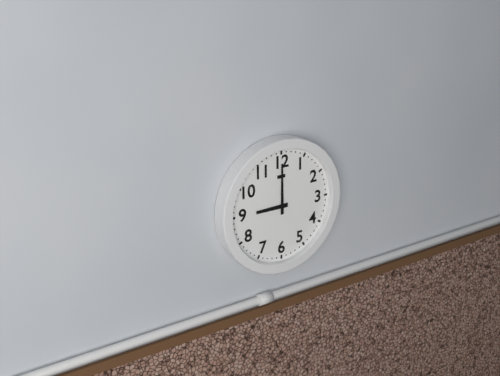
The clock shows 9h00
